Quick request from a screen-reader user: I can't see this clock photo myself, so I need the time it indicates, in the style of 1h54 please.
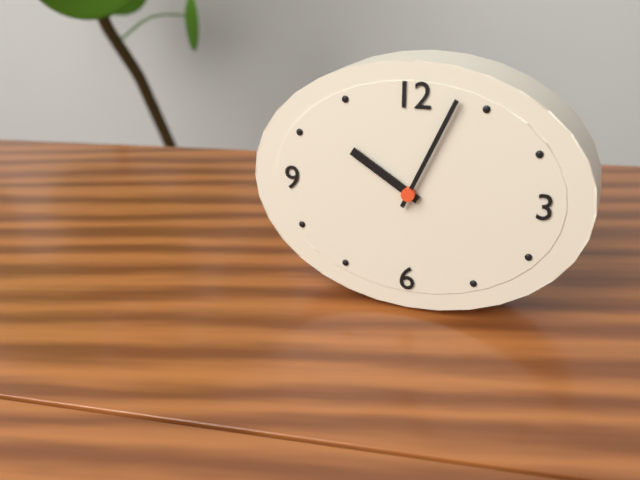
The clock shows 10h04
